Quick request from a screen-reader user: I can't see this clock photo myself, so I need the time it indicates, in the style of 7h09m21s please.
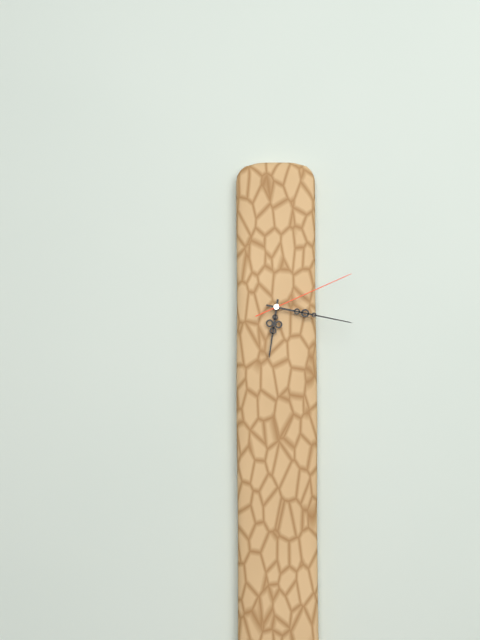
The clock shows 6h17m11s
